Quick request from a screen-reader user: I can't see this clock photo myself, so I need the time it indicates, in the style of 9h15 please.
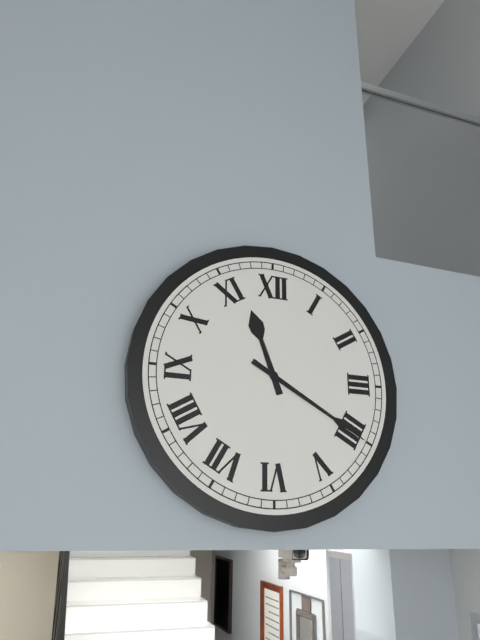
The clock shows 11h20
